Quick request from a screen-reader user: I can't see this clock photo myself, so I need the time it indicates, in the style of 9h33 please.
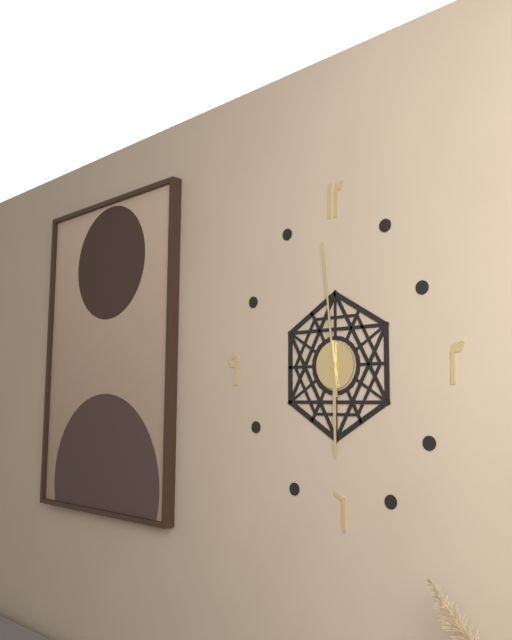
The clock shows 5h59
